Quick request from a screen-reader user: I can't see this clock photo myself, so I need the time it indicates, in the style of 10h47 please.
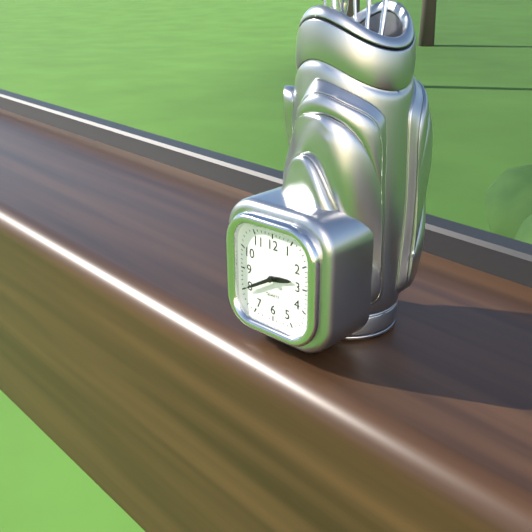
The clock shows 2h40
